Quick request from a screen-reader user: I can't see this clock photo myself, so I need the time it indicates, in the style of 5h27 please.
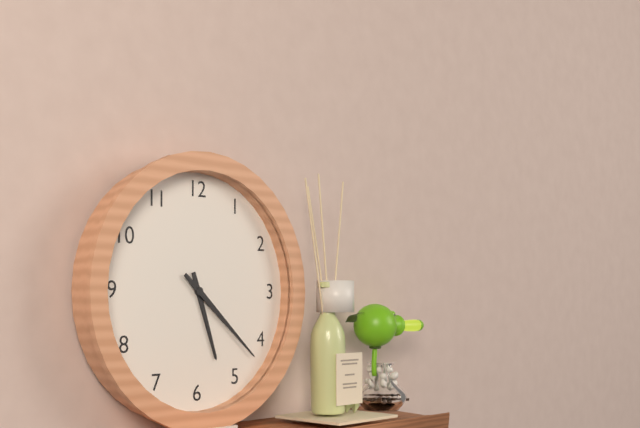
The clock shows 5h22
